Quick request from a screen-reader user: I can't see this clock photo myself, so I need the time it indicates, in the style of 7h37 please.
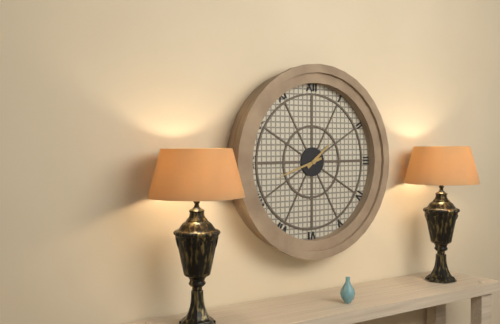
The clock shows 1h42
